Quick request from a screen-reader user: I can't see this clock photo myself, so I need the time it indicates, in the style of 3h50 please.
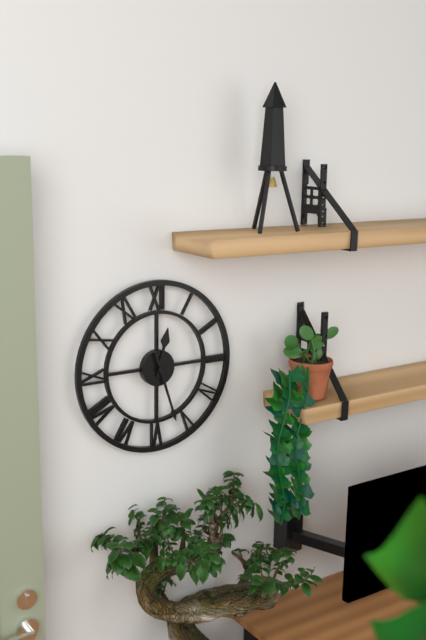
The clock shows 12h27
